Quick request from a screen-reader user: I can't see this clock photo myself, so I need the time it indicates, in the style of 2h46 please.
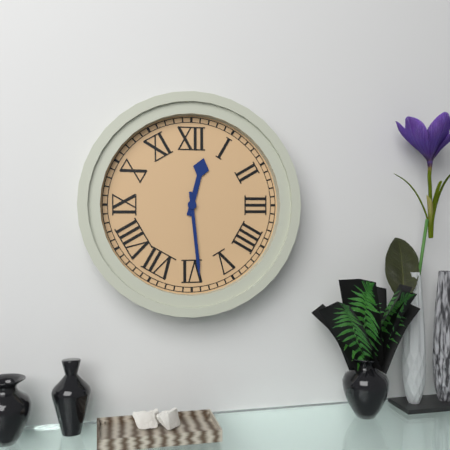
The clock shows 12h29
